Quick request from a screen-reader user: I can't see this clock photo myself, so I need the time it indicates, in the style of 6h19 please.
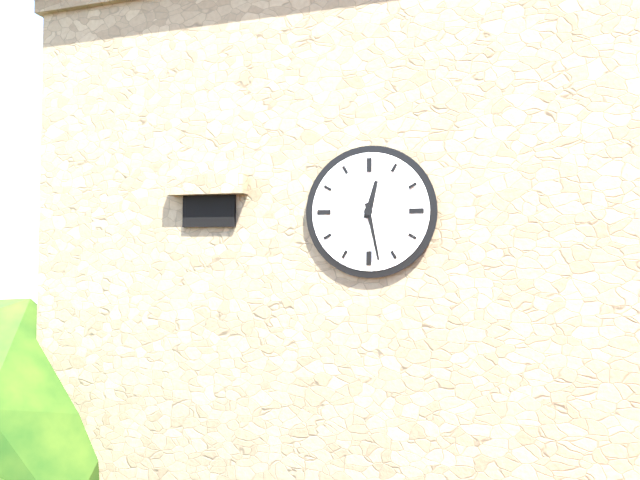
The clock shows 12h28
